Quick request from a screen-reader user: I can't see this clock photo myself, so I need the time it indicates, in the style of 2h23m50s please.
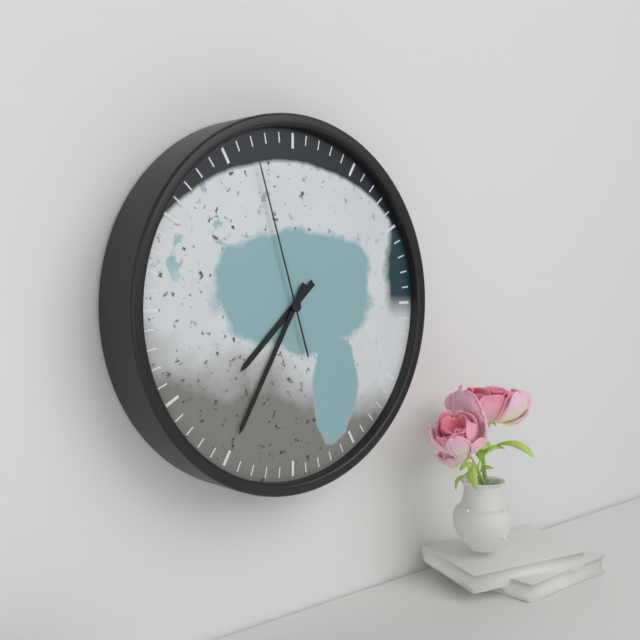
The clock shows 7h35m57s
